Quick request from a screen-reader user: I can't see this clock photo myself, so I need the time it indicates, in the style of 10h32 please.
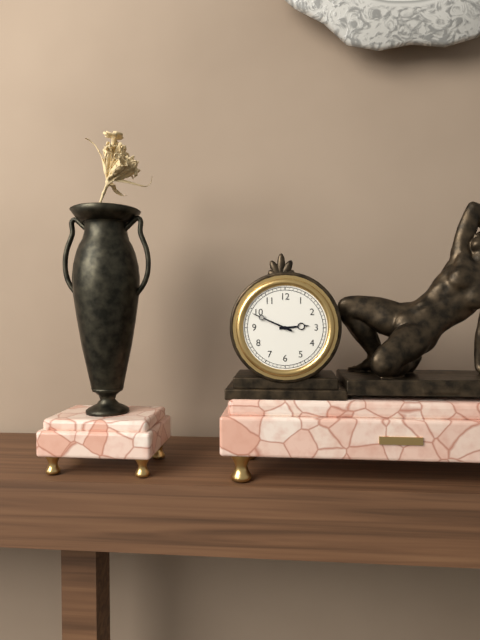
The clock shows 2h49
